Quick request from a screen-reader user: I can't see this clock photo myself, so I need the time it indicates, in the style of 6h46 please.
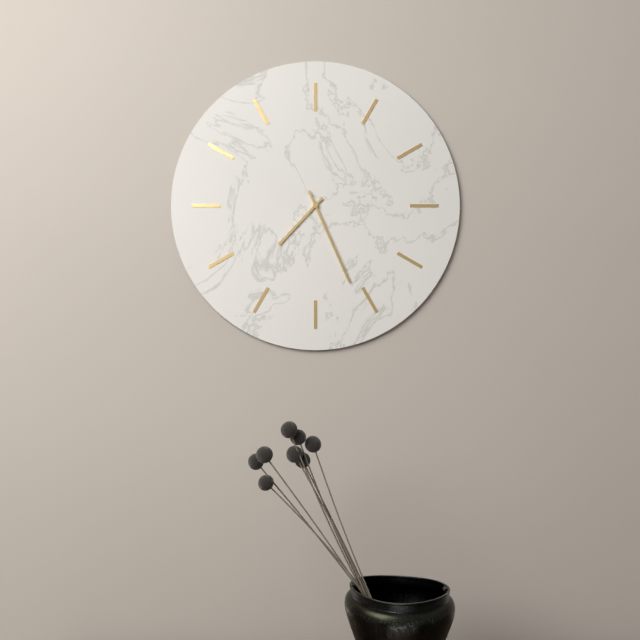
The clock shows 7h26
